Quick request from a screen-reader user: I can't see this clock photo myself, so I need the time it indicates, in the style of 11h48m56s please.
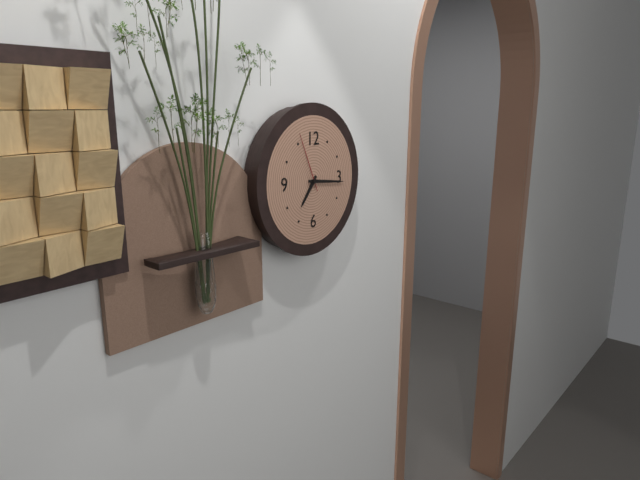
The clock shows 7h16m56s
